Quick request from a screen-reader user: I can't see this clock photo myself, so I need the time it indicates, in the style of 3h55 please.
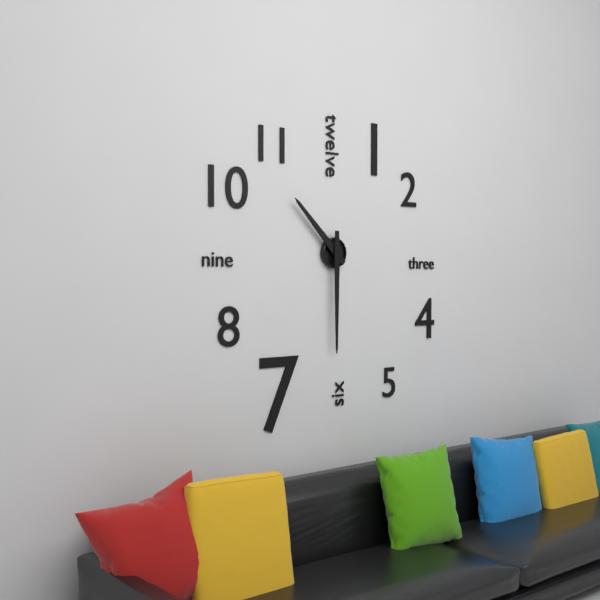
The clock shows 10h30
